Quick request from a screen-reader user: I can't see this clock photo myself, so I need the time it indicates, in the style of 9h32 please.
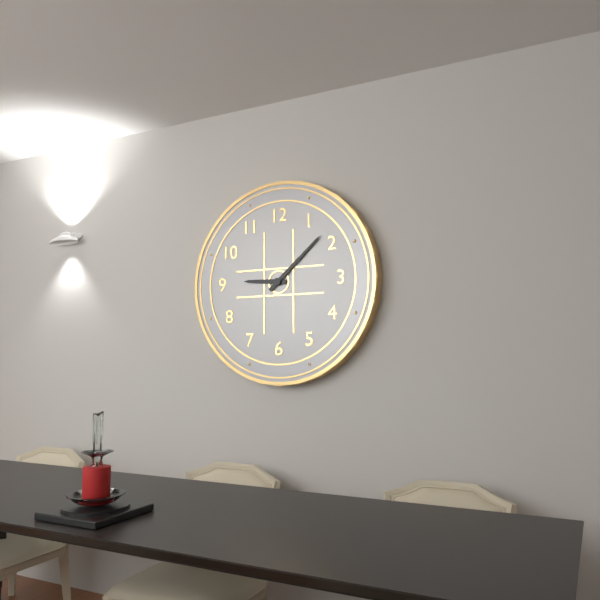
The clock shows 9h08
